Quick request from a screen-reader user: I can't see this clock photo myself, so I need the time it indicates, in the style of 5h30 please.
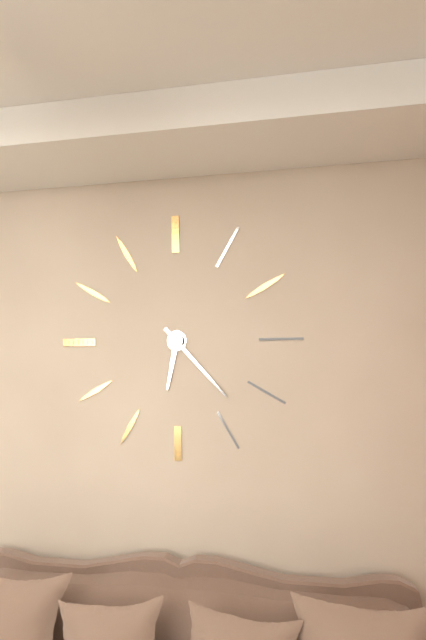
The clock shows 6h23
